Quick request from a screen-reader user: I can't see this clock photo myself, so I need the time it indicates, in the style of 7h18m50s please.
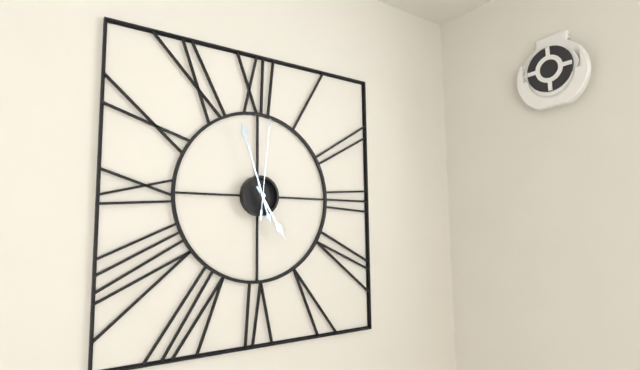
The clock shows 4h57m01s
